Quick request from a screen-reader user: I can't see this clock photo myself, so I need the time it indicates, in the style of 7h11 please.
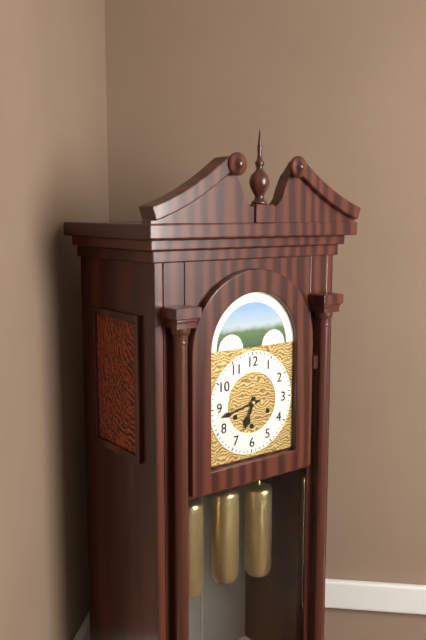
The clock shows 6h43
